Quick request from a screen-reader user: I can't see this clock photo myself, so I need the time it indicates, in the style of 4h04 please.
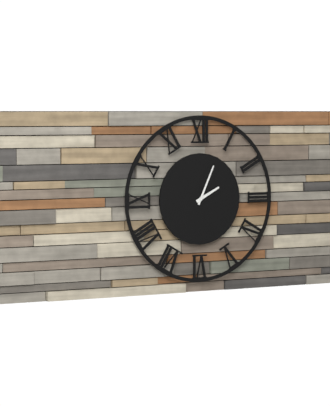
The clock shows 2h04
